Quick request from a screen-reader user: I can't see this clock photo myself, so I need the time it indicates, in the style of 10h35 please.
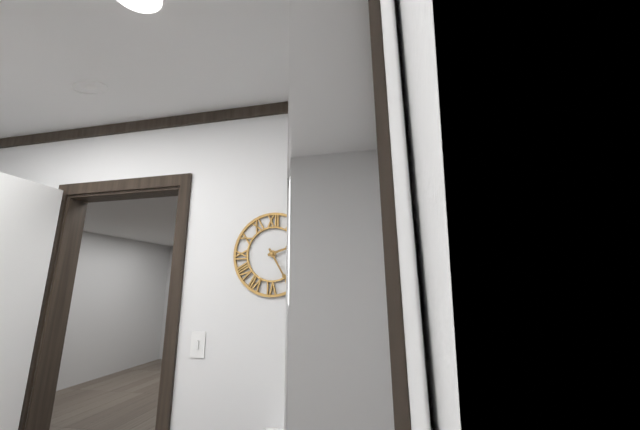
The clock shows 2h25
